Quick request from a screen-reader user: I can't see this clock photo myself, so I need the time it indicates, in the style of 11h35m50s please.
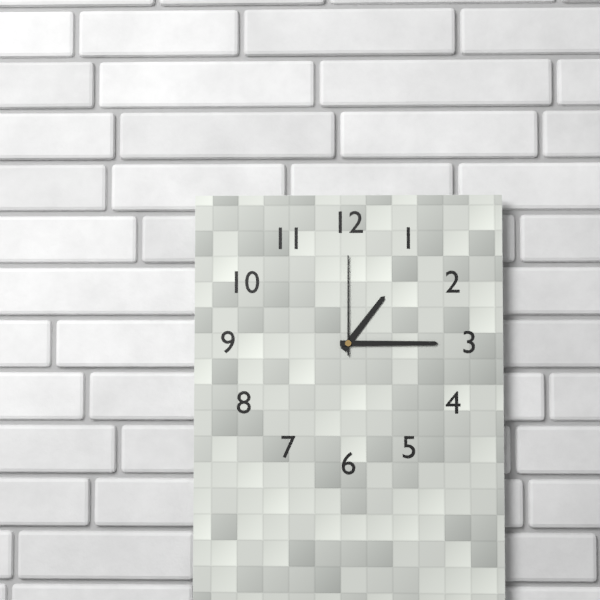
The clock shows 1h15m00s
